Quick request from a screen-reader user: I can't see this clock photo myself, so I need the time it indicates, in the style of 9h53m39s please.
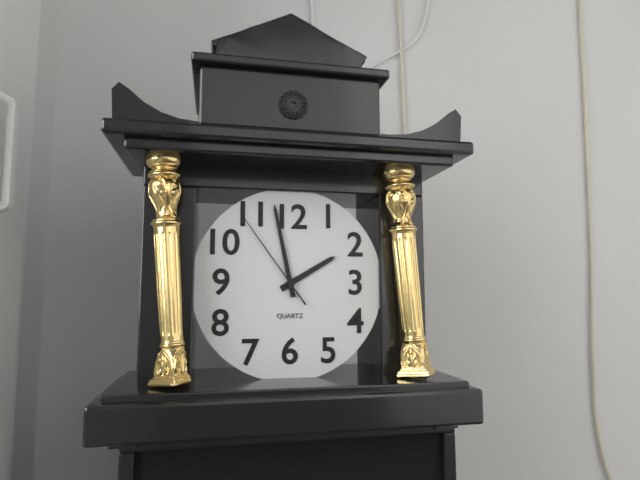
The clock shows 1h58m54s
